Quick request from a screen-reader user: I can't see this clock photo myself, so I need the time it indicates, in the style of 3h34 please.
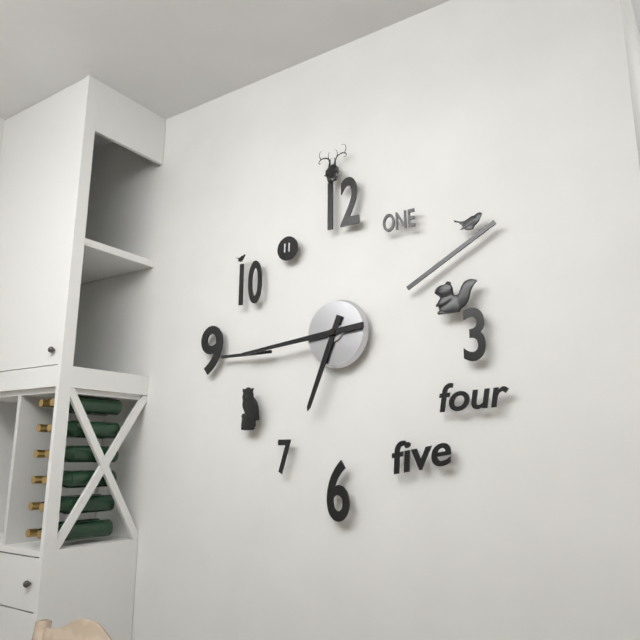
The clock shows 6h44
